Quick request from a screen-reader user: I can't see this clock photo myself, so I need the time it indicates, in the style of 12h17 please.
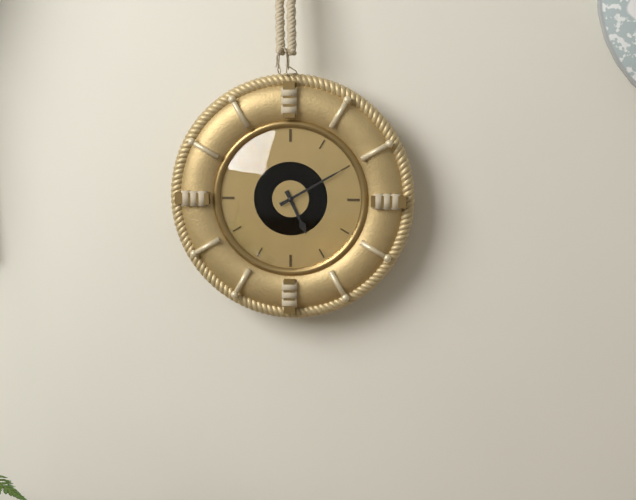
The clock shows 5h10
